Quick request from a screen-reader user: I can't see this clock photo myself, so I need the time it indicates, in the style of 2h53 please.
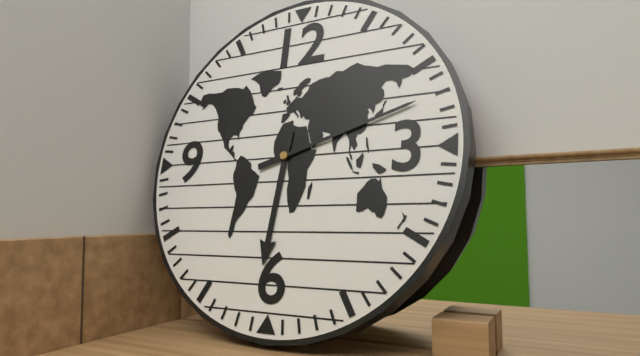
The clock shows 6h12
